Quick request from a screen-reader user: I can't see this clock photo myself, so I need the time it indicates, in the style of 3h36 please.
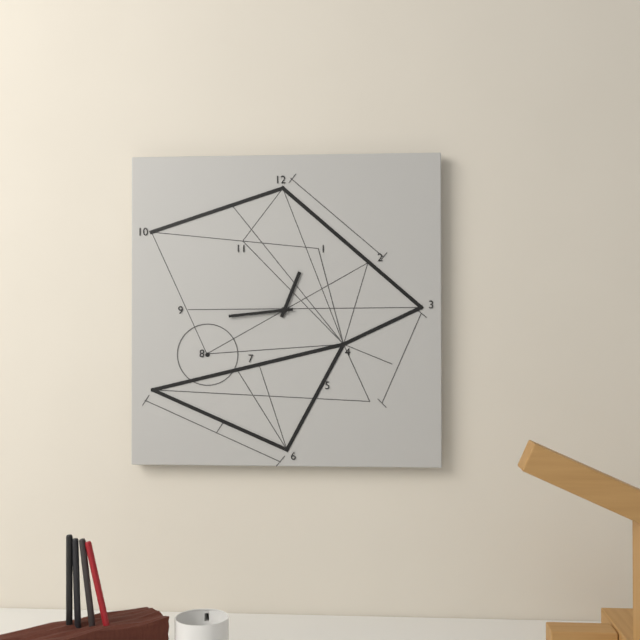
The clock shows 12h44
